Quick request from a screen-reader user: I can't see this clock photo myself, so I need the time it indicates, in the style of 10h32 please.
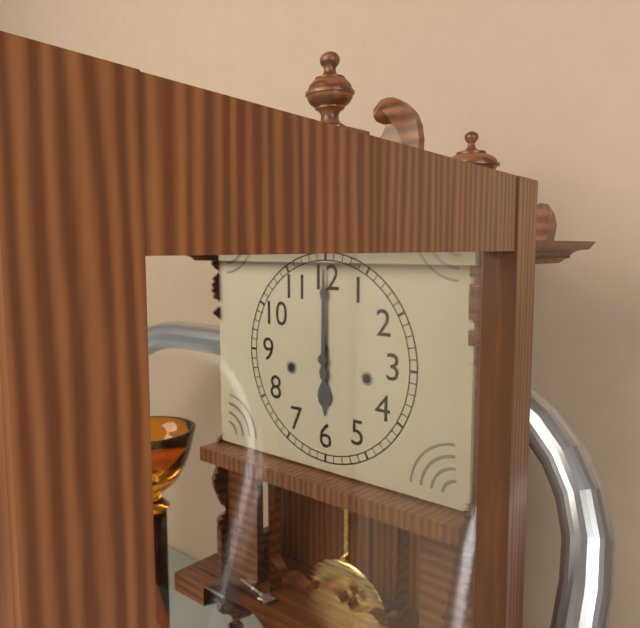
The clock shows 6h00
